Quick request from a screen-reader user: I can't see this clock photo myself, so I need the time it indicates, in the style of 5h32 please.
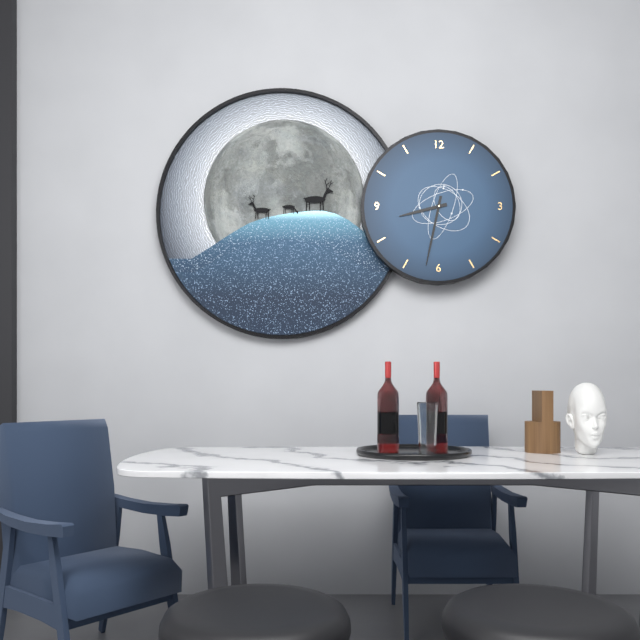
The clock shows 8h32
